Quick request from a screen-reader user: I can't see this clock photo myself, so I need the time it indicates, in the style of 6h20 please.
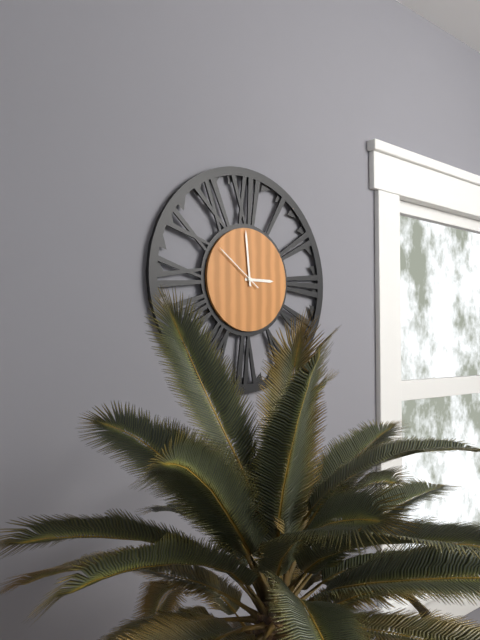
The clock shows 2h59
